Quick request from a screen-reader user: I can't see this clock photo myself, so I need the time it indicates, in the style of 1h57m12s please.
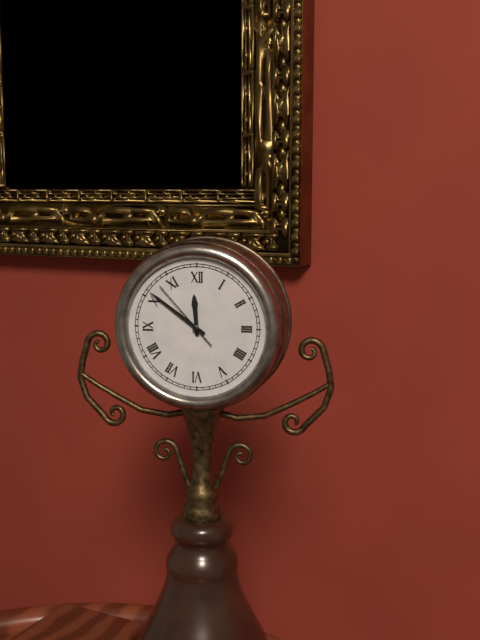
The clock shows 11h51m53s
